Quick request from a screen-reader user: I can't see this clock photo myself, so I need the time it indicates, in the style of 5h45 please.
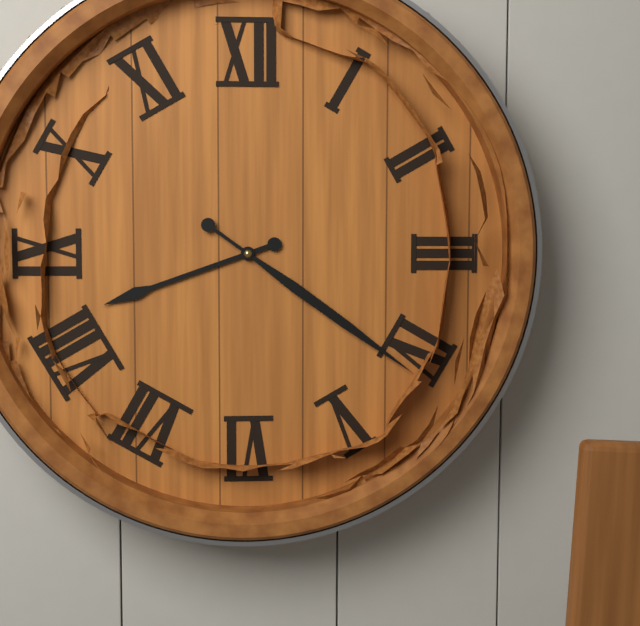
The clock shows 8h21
